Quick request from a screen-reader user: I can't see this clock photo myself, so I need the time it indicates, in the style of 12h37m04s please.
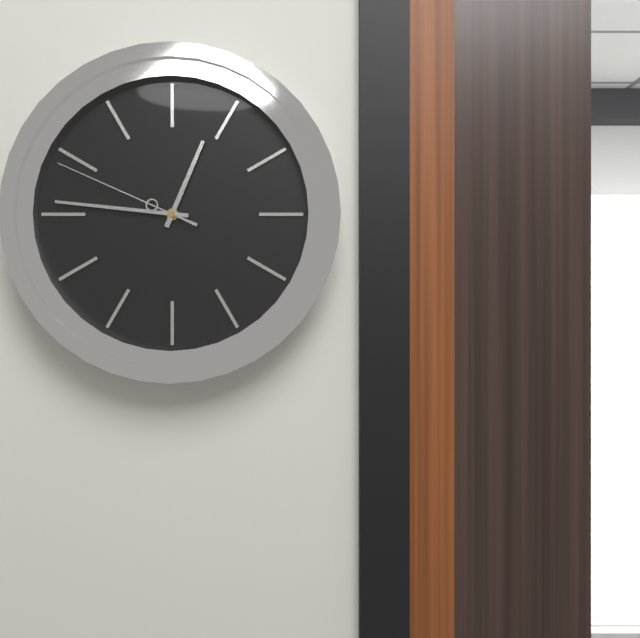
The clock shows 12h46m49s
